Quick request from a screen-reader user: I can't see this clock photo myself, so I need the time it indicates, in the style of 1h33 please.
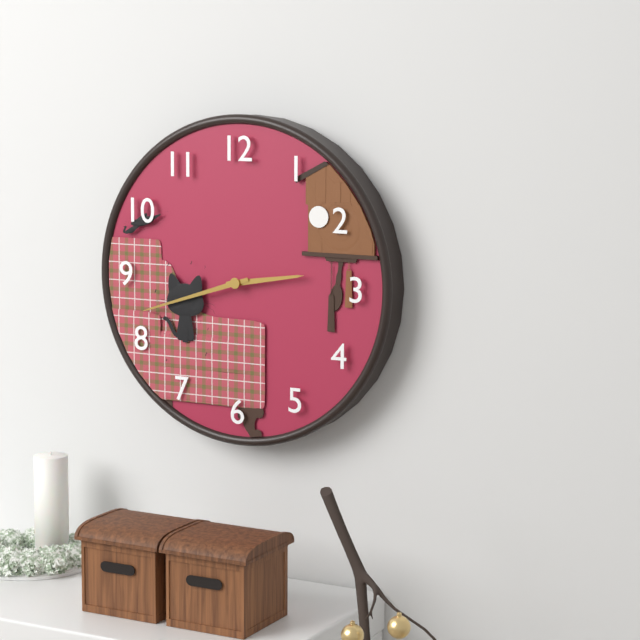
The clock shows 2h42
